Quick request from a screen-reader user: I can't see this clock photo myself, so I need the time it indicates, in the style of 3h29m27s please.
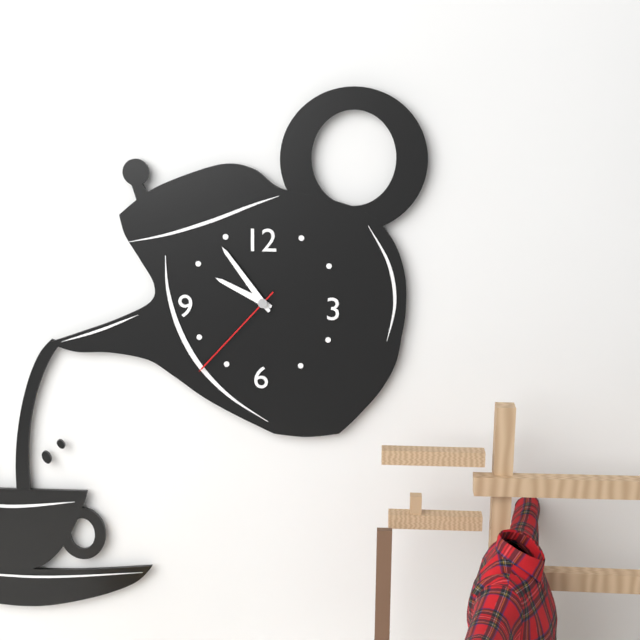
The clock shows 9h54m37s
